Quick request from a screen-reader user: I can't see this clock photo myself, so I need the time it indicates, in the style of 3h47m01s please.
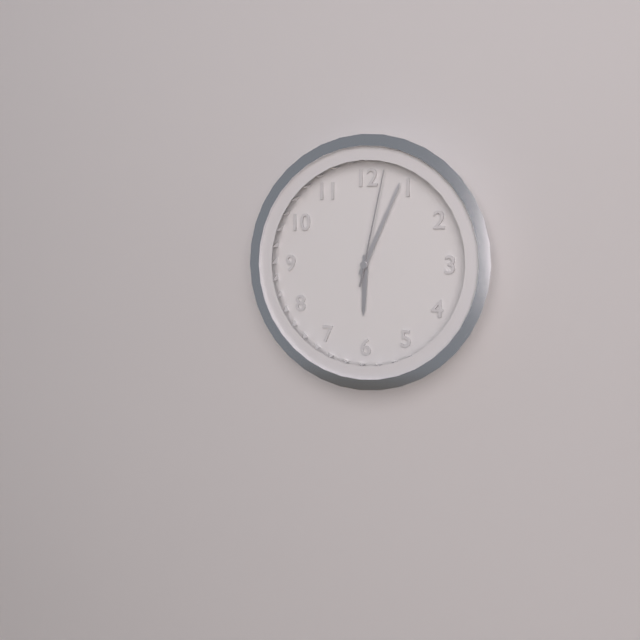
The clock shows 6h04m02s
